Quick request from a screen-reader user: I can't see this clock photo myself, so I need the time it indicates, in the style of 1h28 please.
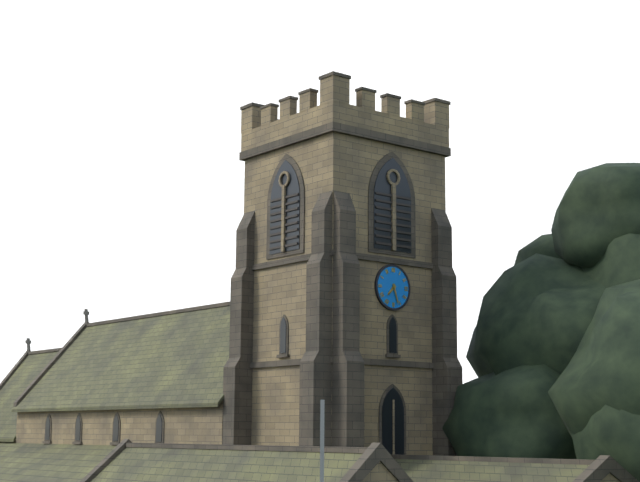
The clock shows 7h27
